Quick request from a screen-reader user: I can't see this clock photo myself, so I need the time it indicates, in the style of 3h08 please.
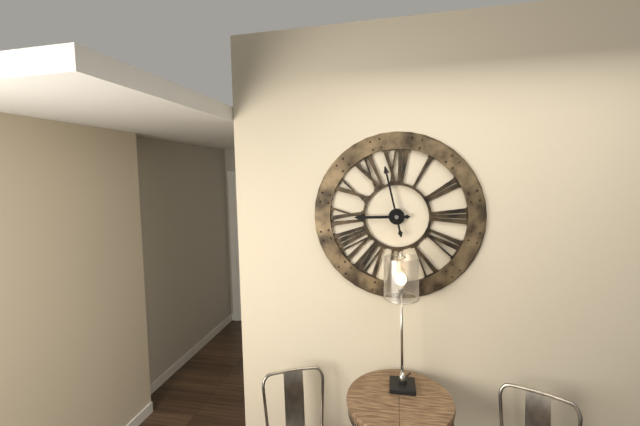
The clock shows 8h58
